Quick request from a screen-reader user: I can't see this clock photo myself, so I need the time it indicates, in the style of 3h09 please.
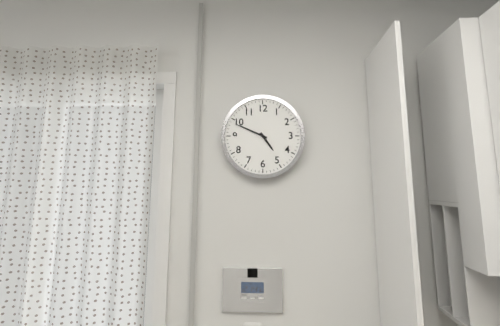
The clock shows 4h49
